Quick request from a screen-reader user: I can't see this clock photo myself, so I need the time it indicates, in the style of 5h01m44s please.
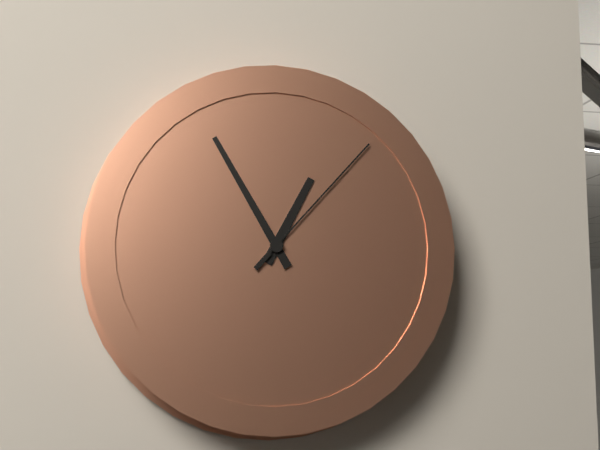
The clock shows 12h55m07s
